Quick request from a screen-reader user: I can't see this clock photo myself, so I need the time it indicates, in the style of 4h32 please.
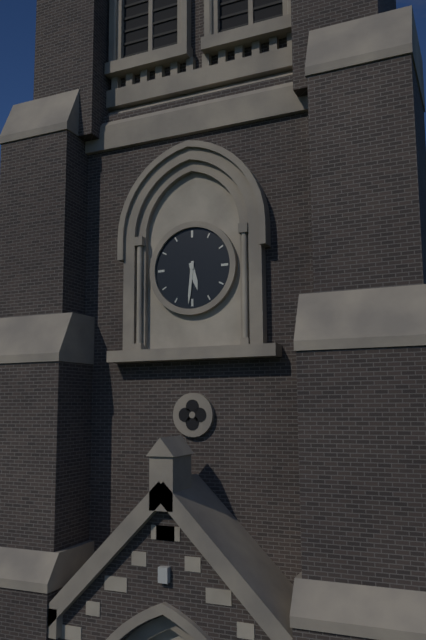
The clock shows 5h31
